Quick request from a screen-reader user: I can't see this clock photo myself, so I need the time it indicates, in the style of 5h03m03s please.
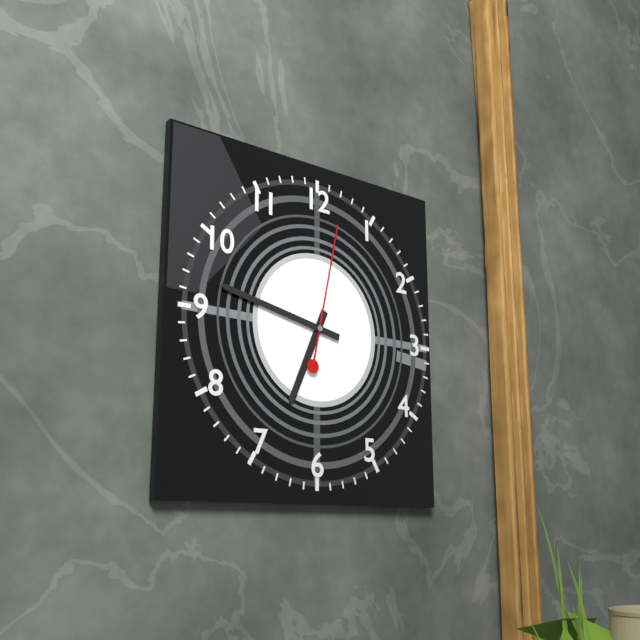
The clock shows 6h47m02s
